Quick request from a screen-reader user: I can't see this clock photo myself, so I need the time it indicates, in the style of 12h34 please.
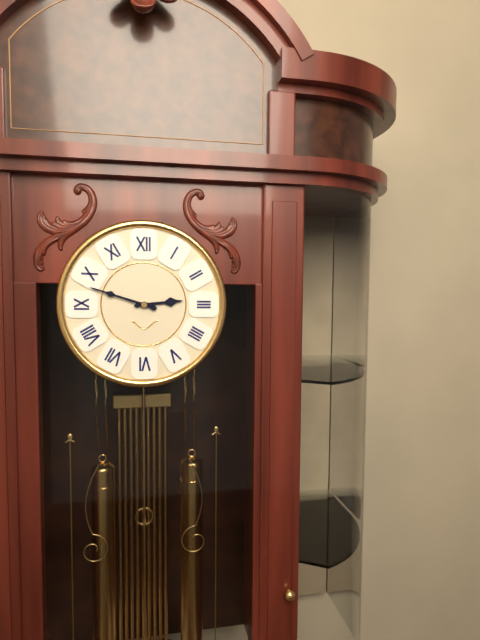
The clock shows 2h48
